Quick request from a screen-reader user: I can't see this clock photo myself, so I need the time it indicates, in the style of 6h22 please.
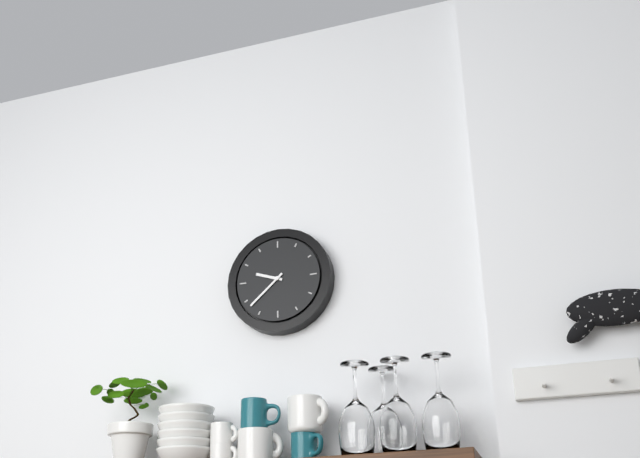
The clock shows 9h38
